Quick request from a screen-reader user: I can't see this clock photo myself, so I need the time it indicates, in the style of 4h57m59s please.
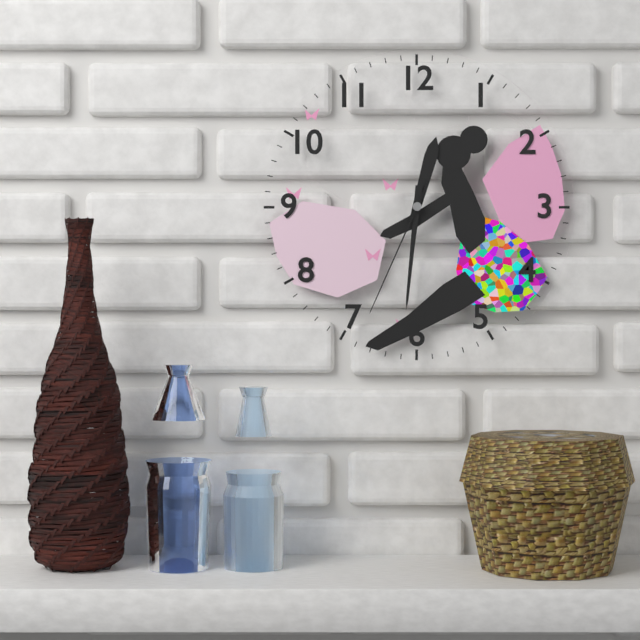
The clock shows 12h31m34s
